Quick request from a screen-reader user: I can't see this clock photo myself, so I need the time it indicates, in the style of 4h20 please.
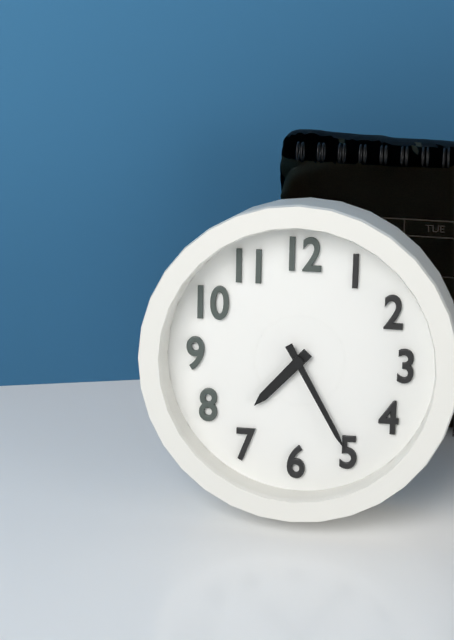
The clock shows 7h25
